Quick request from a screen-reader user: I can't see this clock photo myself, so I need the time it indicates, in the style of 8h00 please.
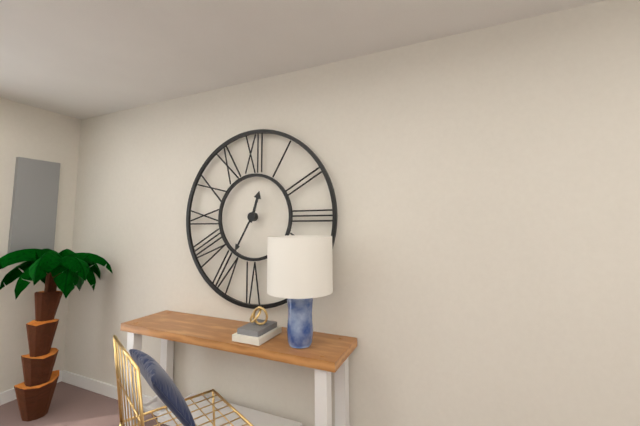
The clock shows 12h35
